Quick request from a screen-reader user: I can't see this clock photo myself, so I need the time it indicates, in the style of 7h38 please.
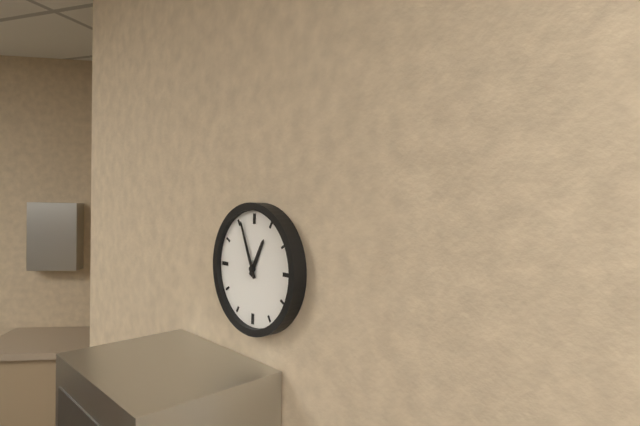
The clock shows 12h56
